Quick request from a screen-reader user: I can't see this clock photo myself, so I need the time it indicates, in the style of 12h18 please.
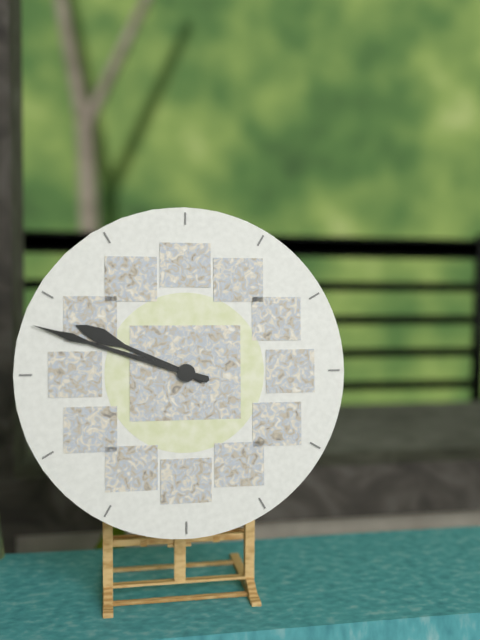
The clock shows 9h48
